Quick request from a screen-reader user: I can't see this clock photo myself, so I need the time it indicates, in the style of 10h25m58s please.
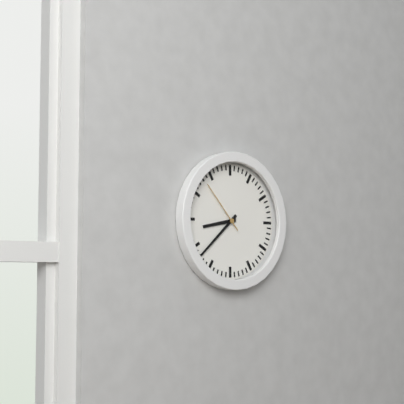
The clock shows 8h38m53s
